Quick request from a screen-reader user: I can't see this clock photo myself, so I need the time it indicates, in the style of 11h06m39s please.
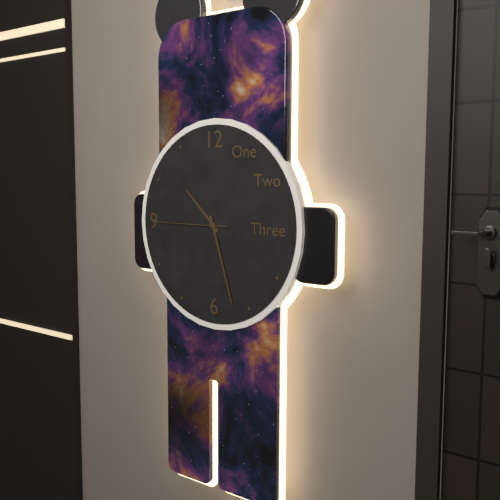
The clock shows 10h27m45s
